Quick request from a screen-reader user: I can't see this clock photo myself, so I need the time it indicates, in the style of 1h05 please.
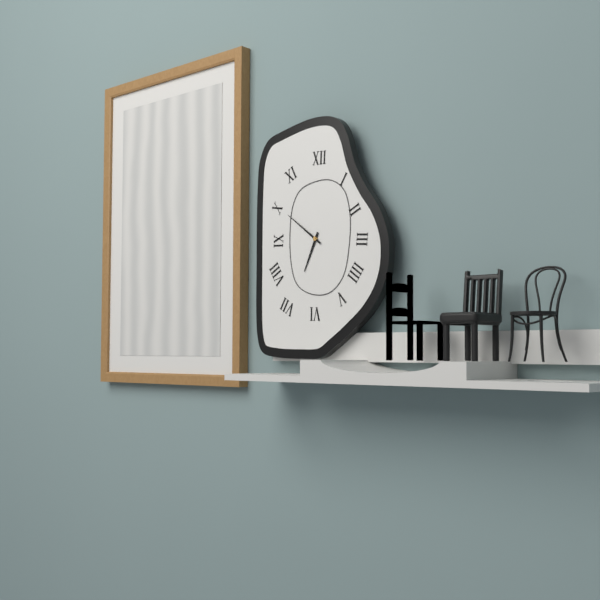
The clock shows 6h51
